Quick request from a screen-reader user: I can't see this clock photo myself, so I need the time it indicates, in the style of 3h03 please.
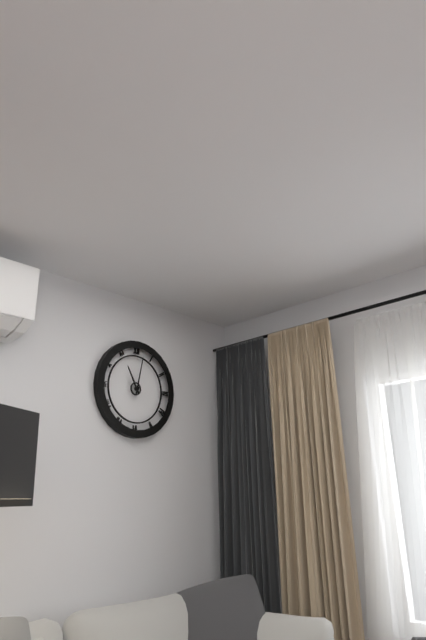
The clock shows 11h02
